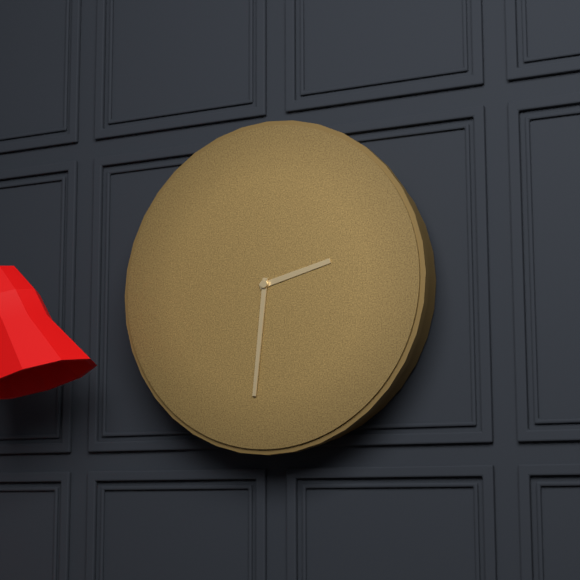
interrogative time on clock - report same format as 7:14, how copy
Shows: 2:31
